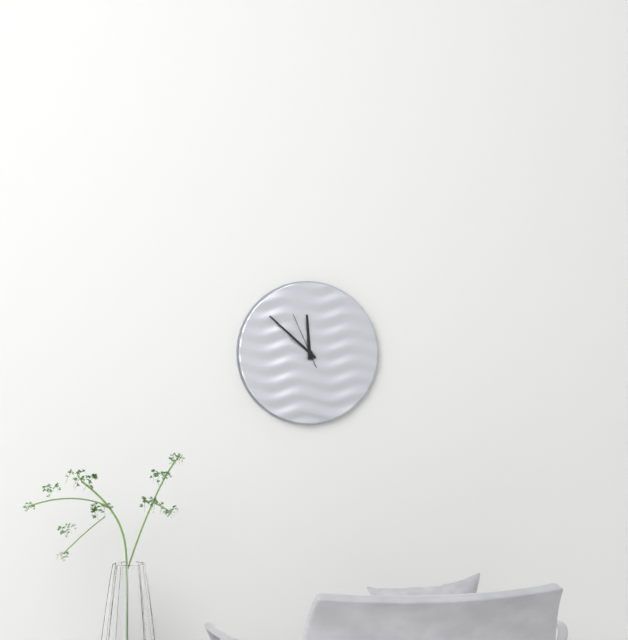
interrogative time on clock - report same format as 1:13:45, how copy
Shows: 11:52:56
